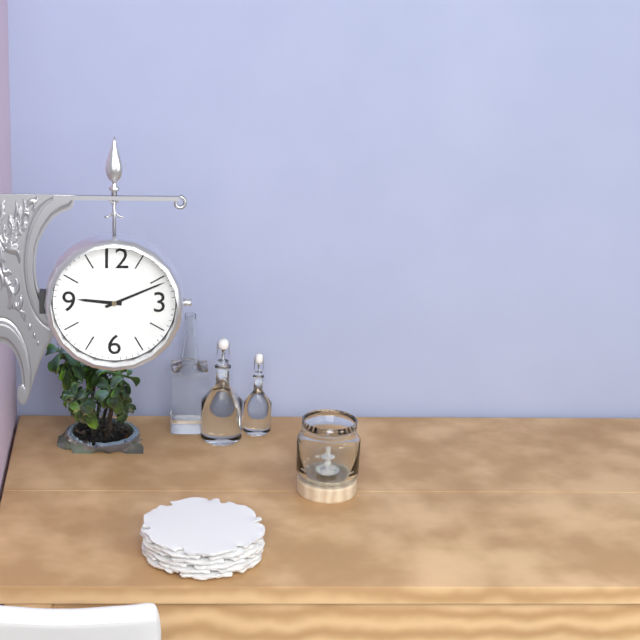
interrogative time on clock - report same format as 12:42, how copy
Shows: 9:11
